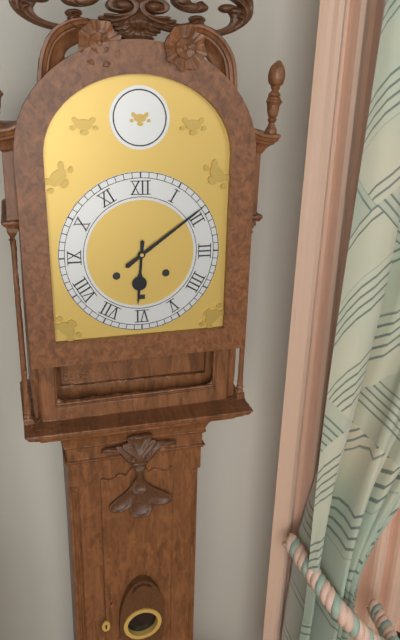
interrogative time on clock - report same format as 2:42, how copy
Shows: 6:09
